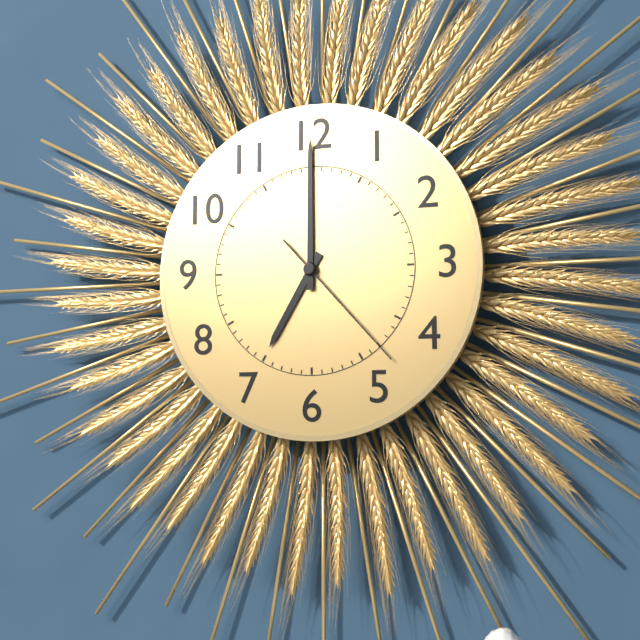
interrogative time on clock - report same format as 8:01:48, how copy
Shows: 7:00:23
